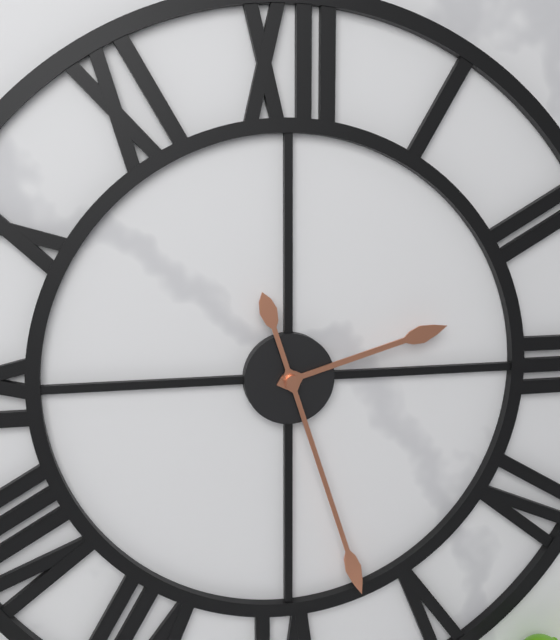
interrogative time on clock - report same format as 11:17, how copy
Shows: 2:27
